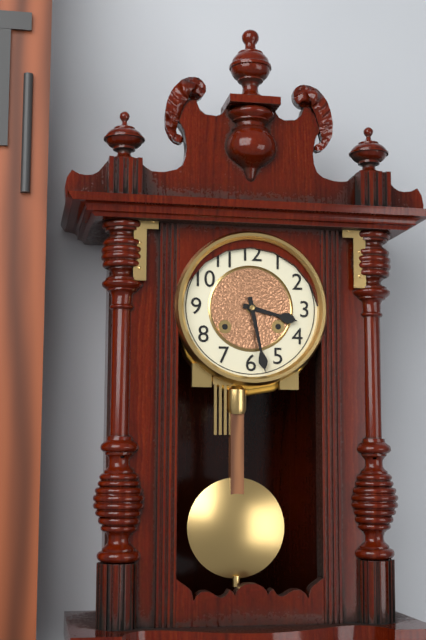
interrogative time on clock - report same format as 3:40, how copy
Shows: 3:28
